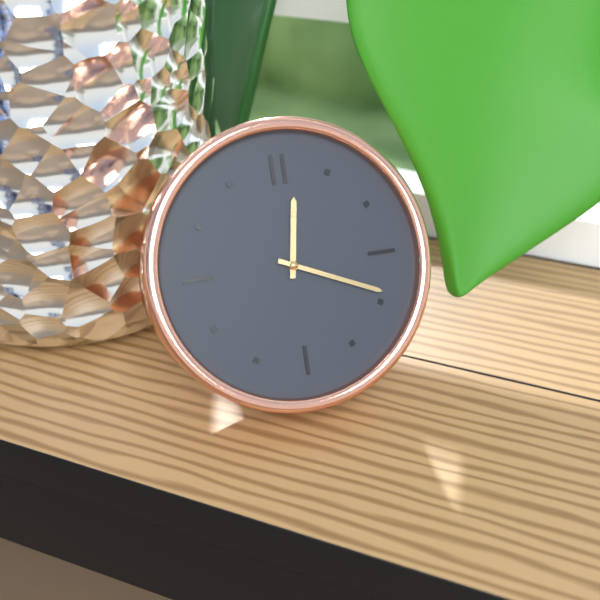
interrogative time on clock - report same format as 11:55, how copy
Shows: 12:19
